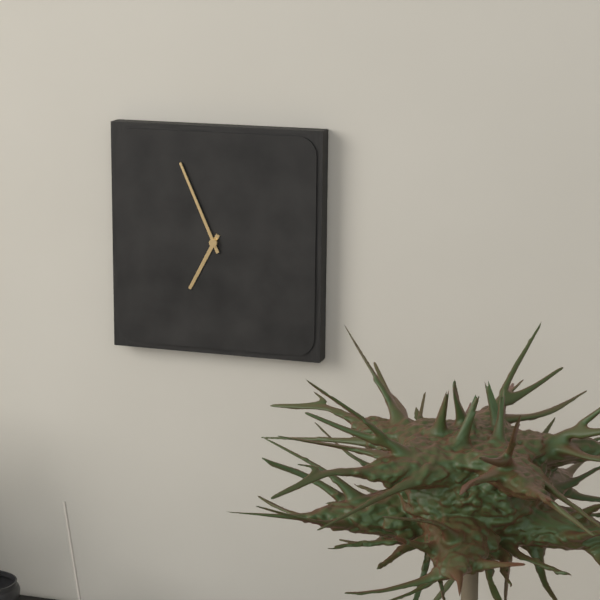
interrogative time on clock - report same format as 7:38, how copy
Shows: 6:56
